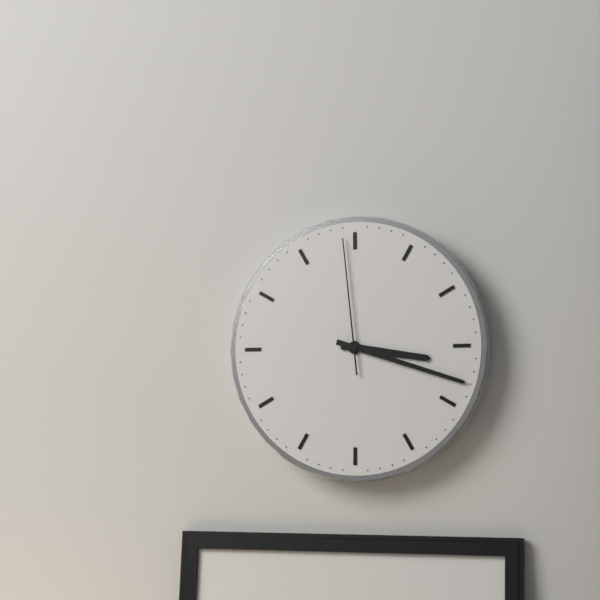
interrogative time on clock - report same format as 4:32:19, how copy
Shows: 3:18:59
